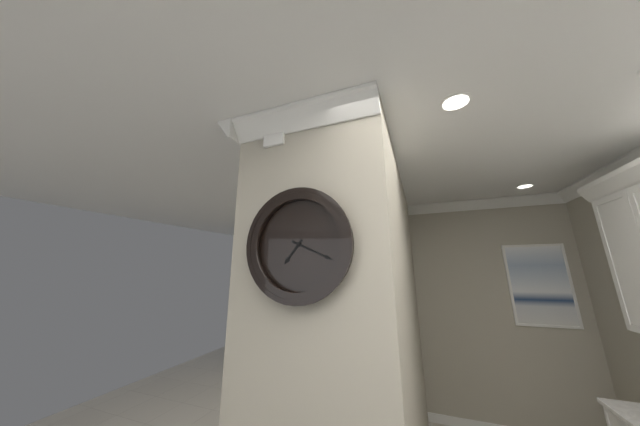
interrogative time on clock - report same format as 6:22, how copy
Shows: 7:19
